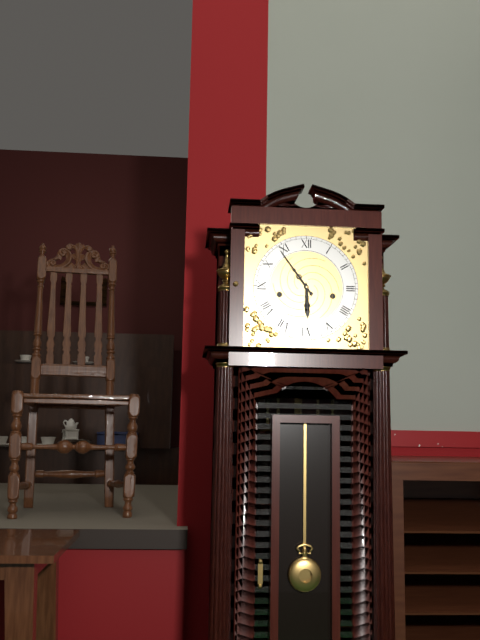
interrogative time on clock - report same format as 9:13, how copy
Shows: 5:54
